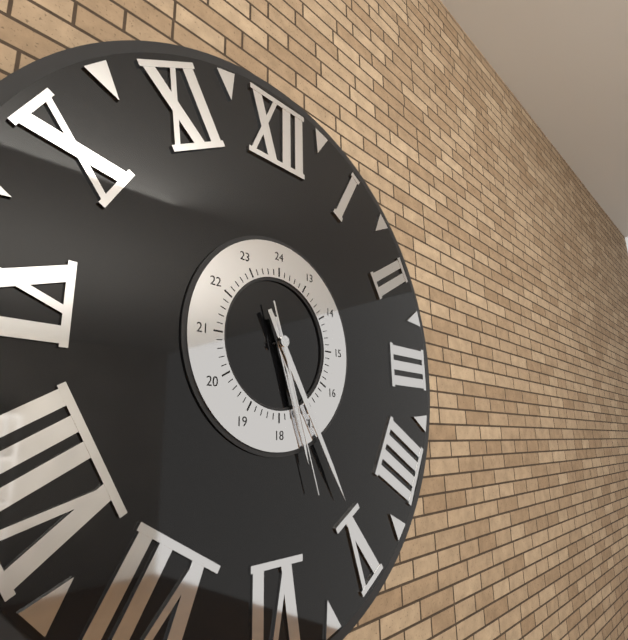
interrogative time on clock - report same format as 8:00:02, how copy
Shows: 5:25:27
